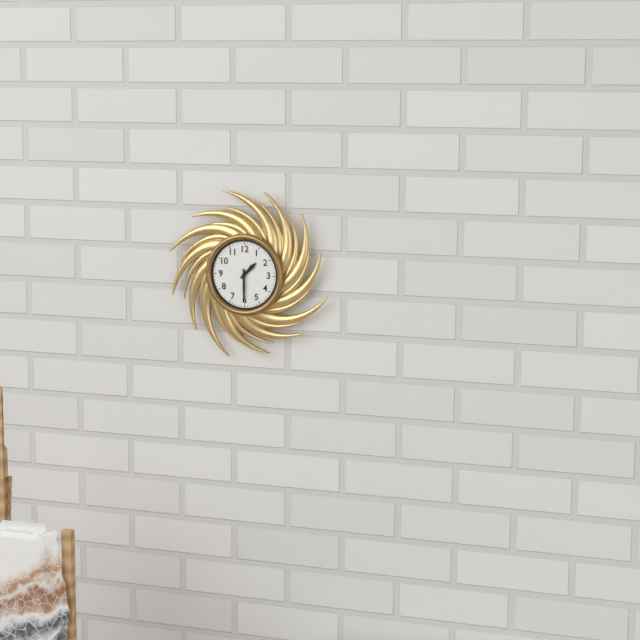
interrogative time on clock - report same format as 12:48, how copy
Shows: 1:30
